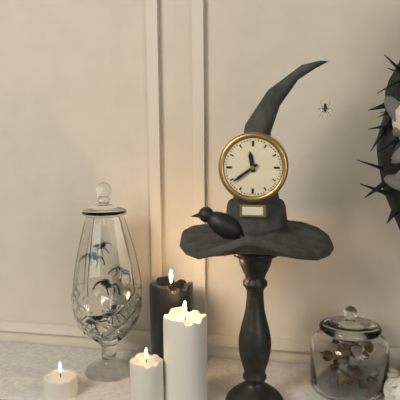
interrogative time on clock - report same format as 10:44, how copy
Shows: 11:39
